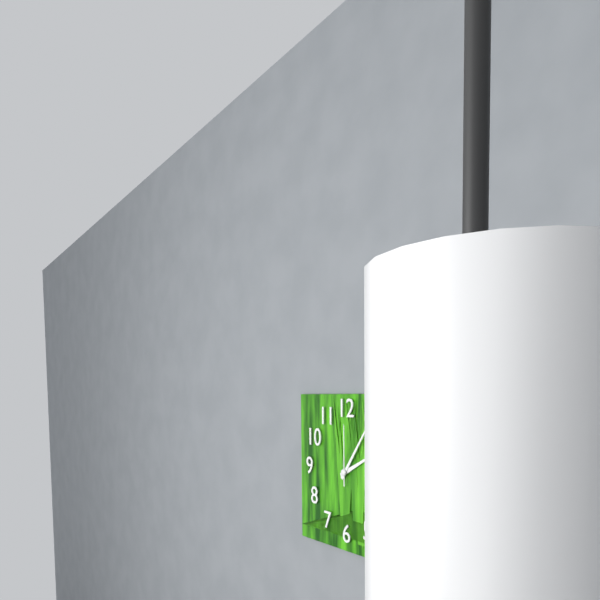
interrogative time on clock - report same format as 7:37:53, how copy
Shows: 2:06:00
